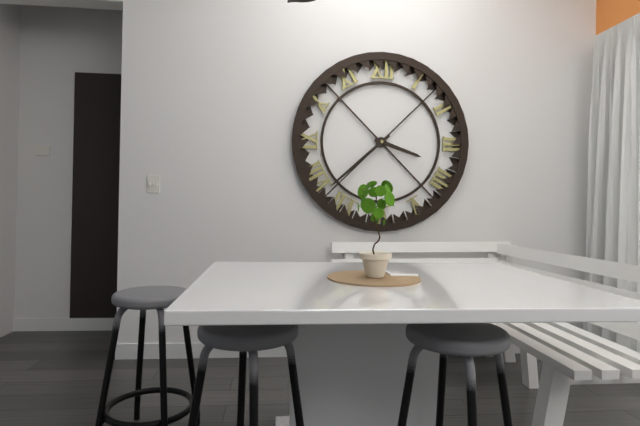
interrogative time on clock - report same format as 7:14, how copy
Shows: 3:38
